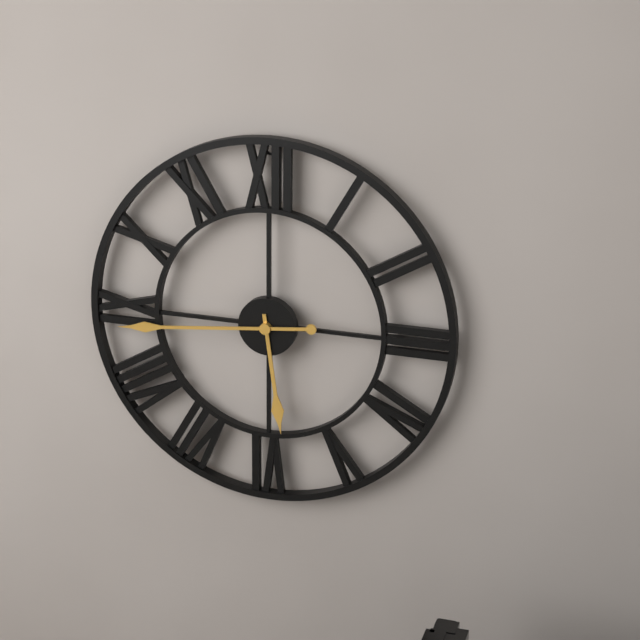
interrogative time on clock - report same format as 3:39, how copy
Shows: 5:44
